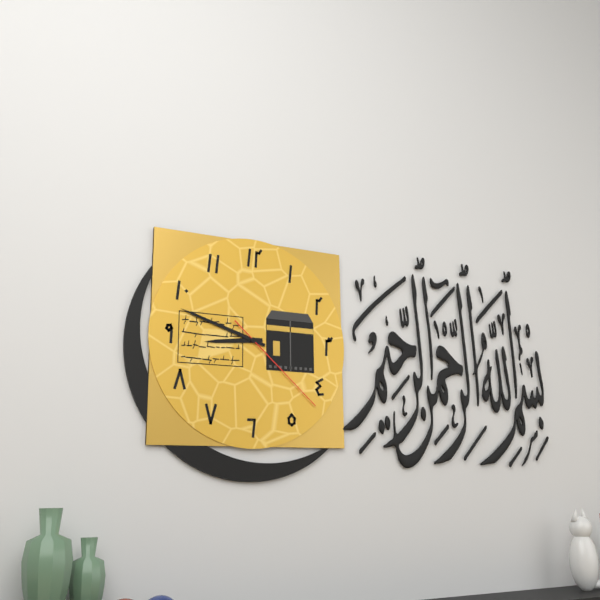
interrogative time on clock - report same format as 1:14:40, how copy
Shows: 8:48:22
